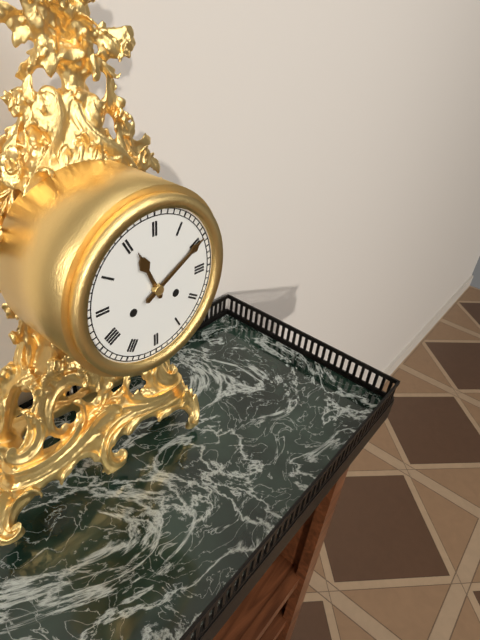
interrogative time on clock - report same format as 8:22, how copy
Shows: 11:10
